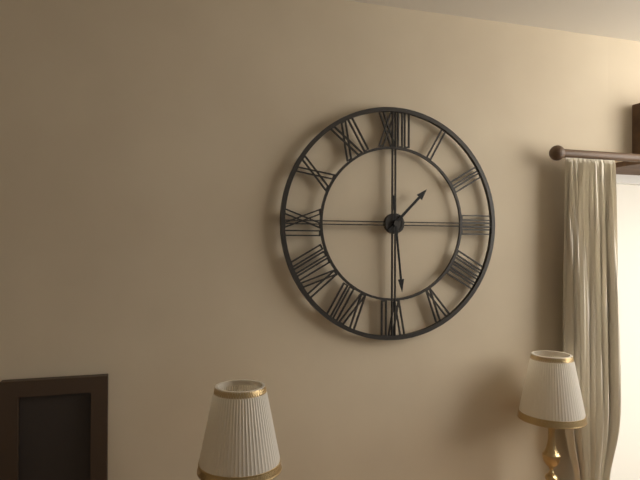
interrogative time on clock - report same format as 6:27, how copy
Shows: 1:29
